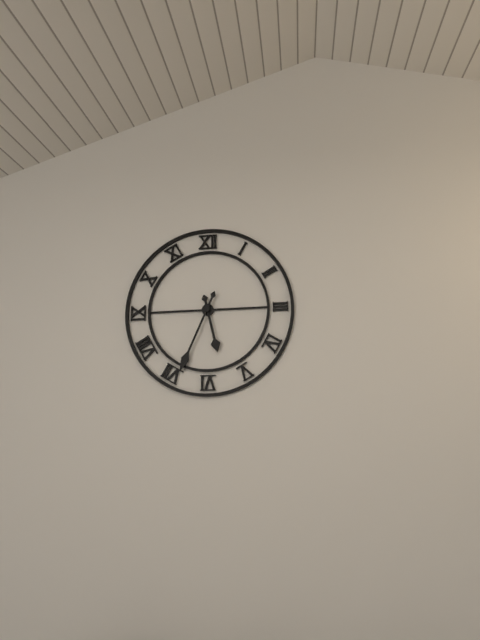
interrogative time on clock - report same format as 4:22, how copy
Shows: 5:34
